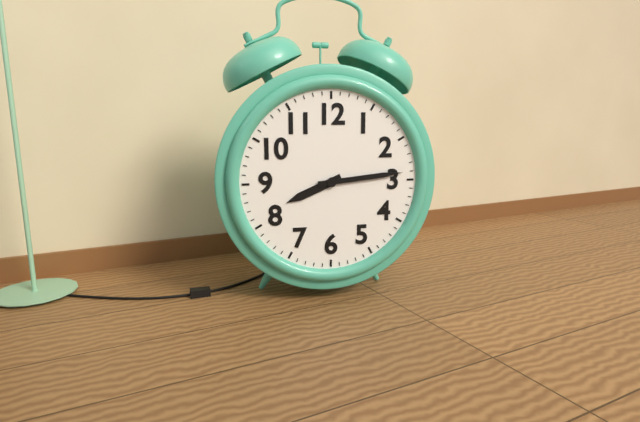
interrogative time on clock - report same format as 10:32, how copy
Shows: 8:14
